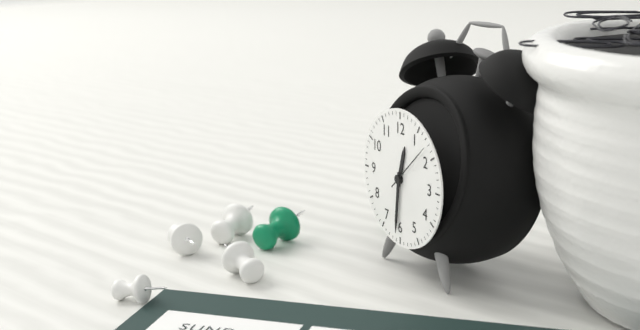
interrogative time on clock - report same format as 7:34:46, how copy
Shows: 12:31:08
